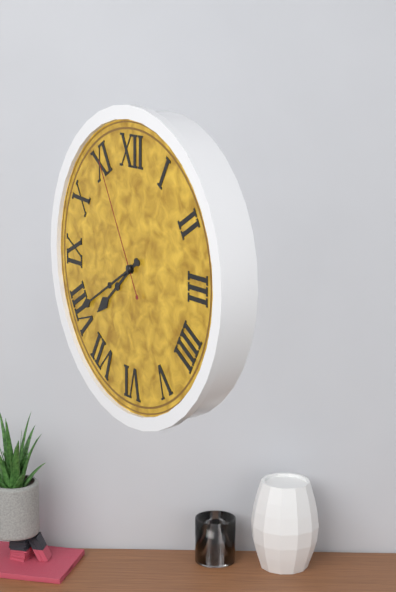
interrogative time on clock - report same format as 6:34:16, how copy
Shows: 7:40:55
